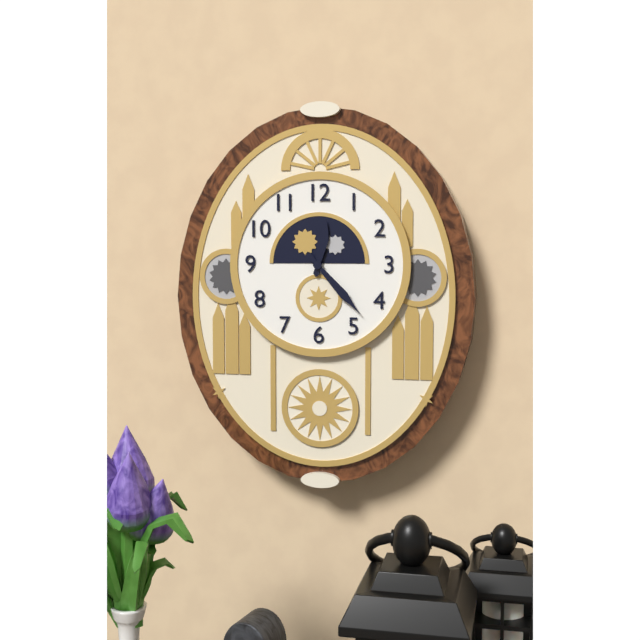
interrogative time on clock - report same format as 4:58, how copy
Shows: 12:23
